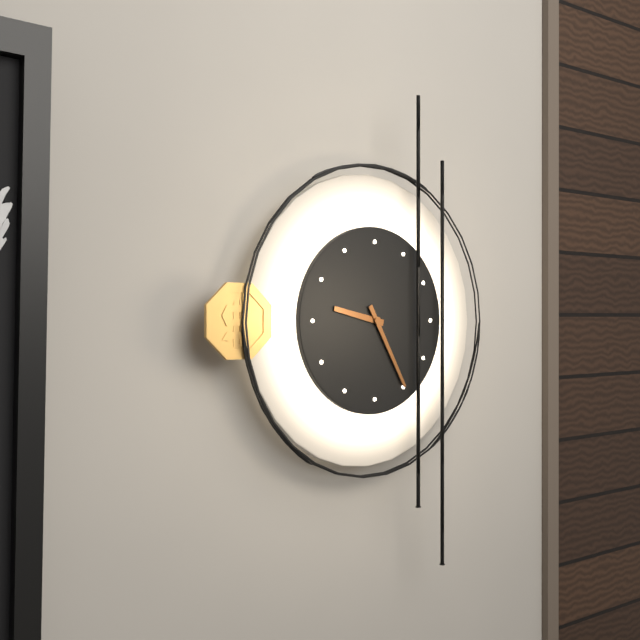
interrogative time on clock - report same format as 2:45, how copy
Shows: 9:25
